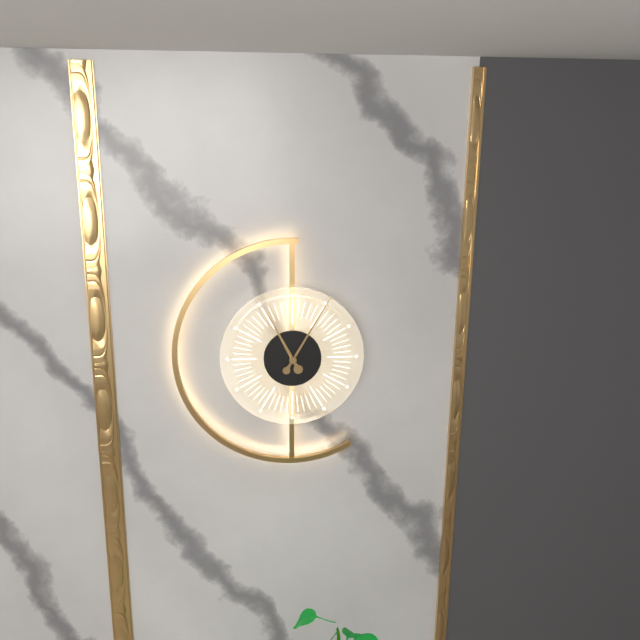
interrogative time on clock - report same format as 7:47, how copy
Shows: 11:05
